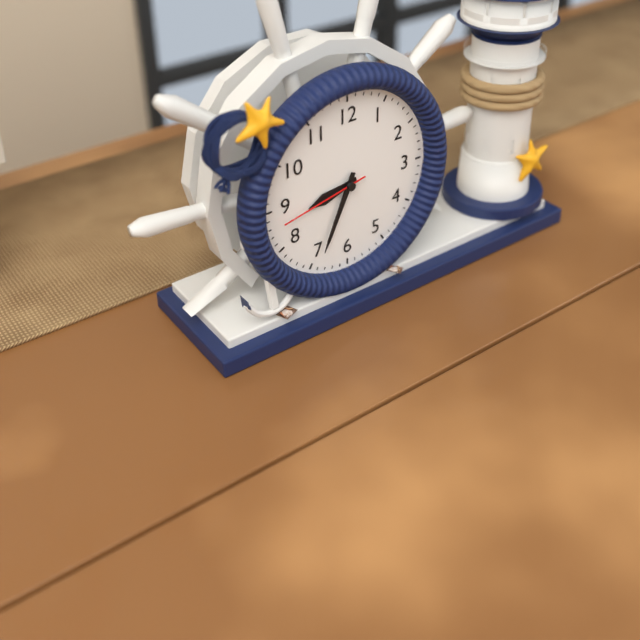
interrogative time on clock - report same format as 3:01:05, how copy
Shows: 8:34:43
